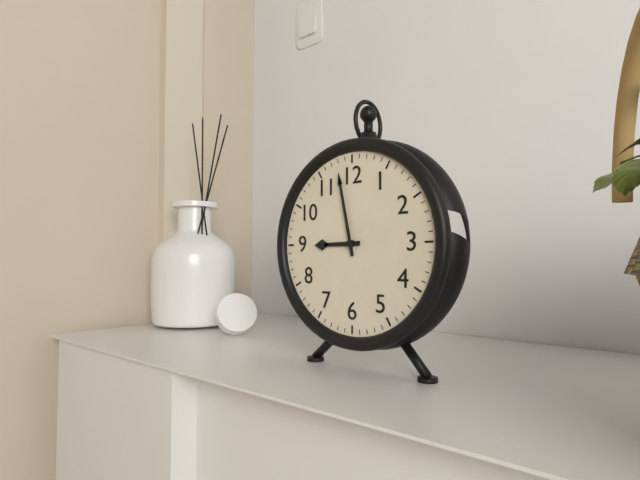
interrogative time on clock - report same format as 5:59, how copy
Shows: 8:58
